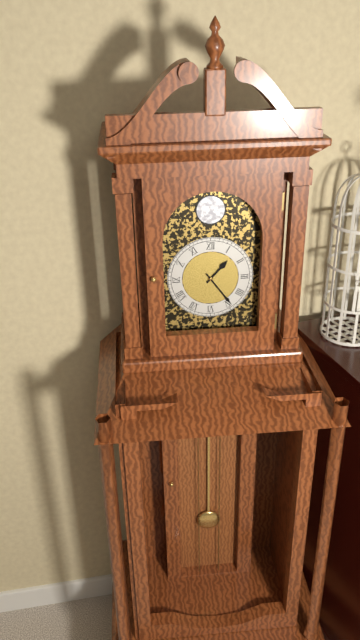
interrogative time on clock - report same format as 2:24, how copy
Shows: 1:24
